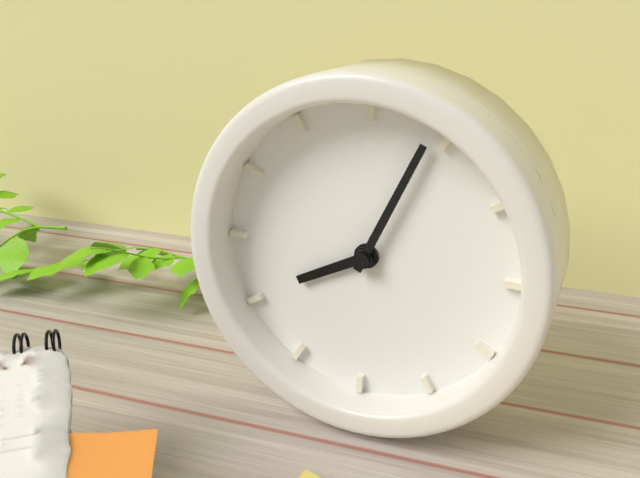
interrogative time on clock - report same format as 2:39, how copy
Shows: 8:04
